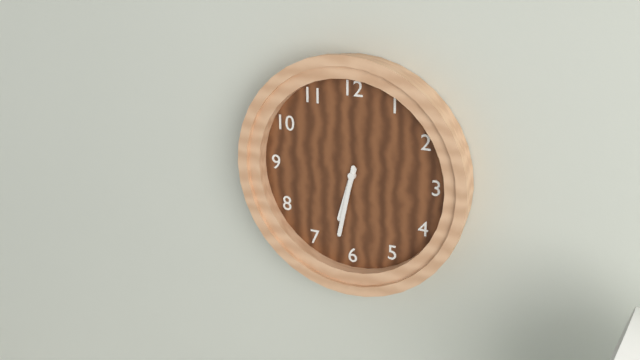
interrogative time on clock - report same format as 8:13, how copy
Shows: 6:32
